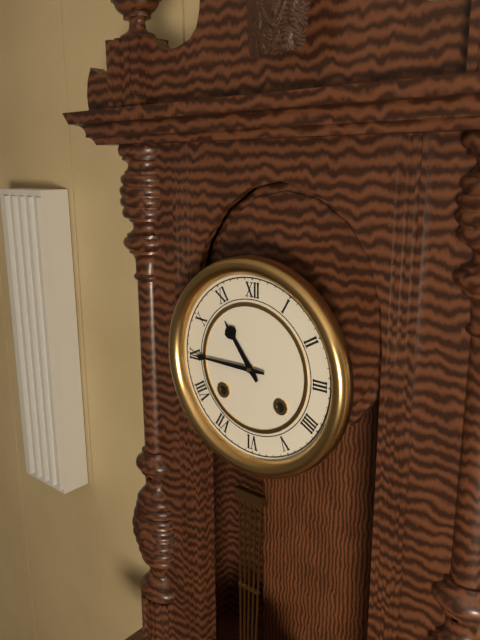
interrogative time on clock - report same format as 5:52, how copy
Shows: 10:45
